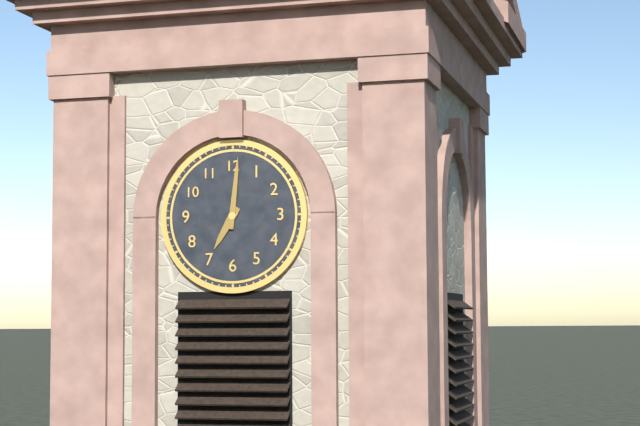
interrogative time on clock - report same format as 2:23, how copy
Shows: 7:01
